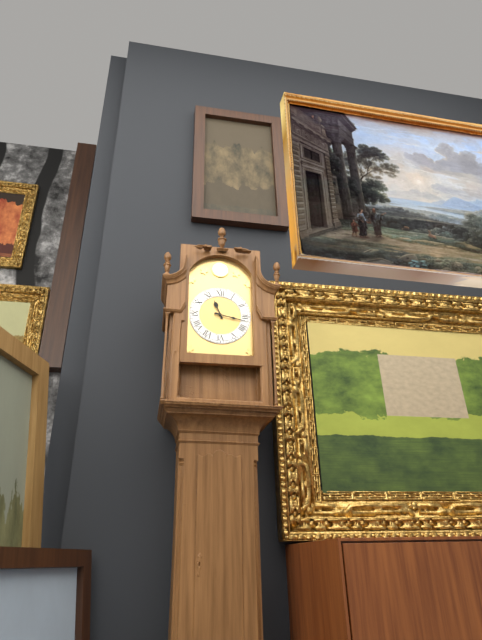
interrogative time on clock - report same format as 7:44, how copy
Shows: 11:17
